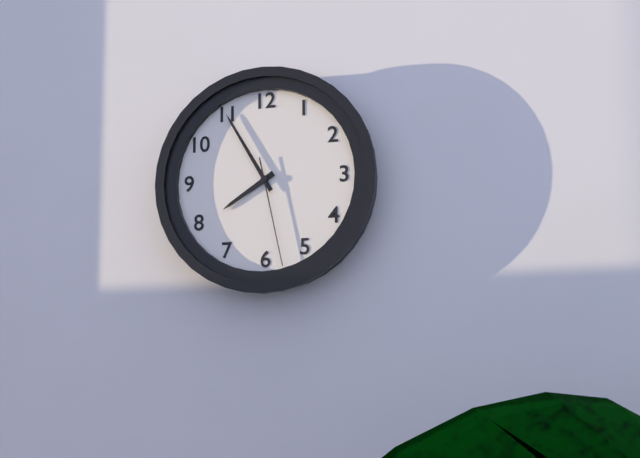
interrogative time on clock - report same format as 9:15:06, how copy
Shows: 7:55:28
